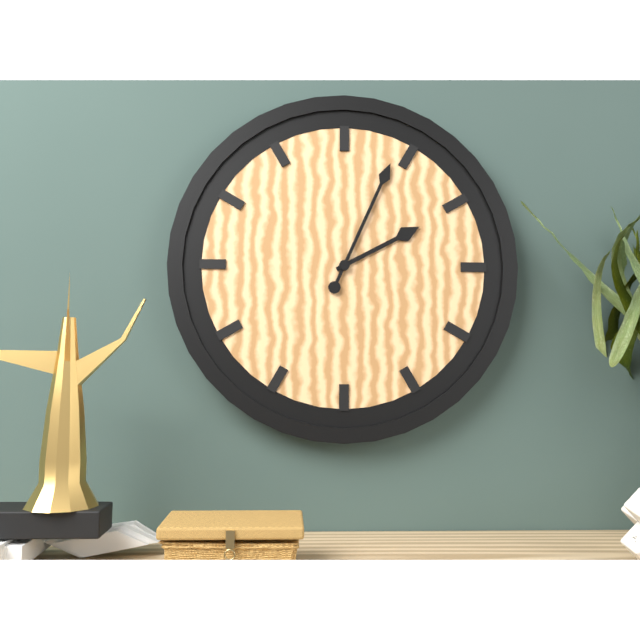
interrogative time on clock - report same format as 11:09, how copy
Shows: 2:04
